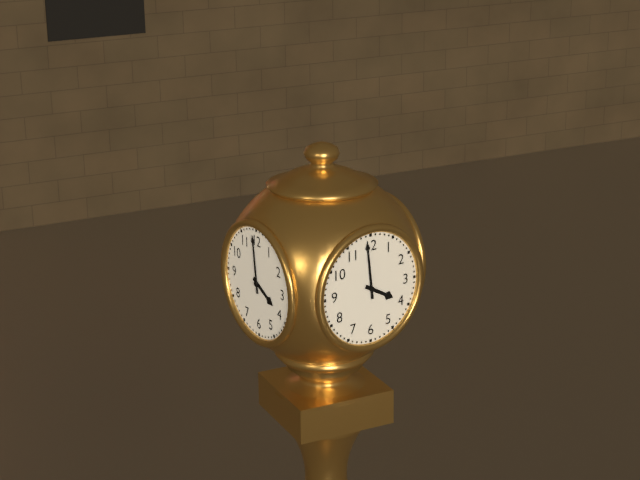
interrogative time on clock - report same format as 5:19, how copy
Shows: 3:59
